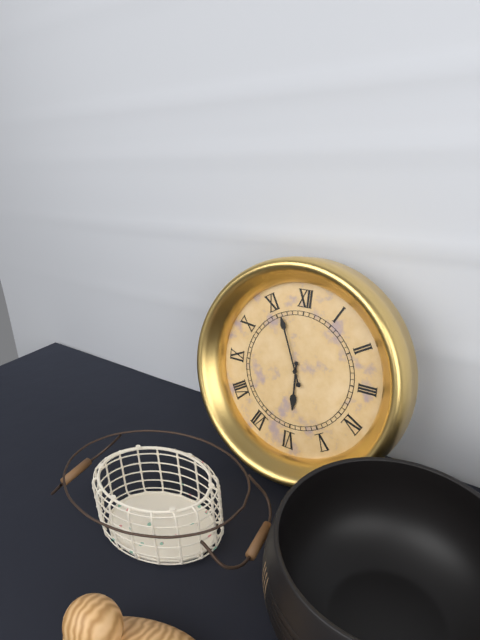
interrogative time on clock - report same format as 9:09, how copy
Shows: 5:56
